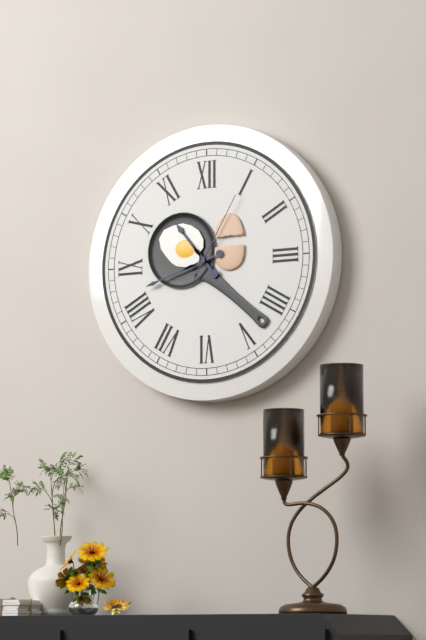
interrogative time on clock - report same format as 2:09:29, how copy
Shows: 10:42:05
